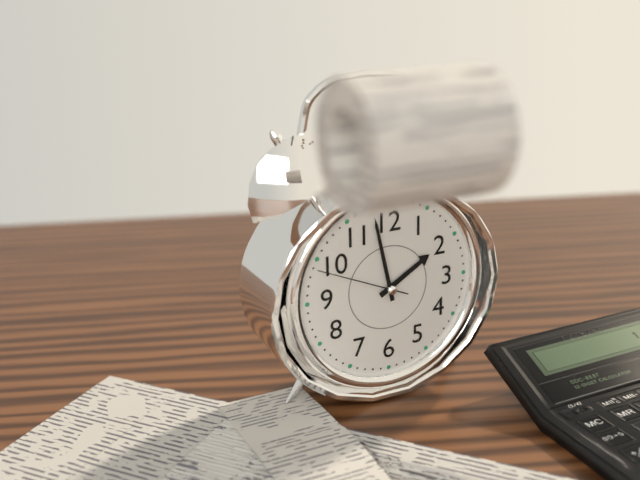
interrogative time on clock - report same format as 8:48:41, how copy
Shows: 1:58:49
